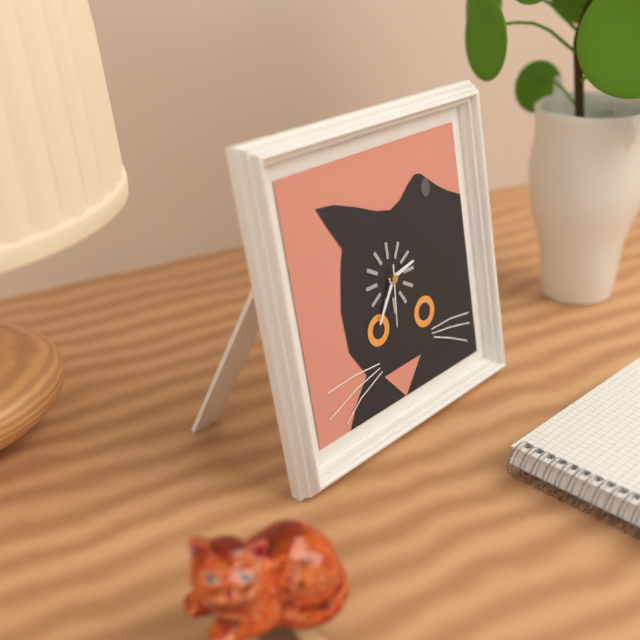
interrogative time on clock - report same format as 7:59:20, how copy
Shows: 2:36:31
